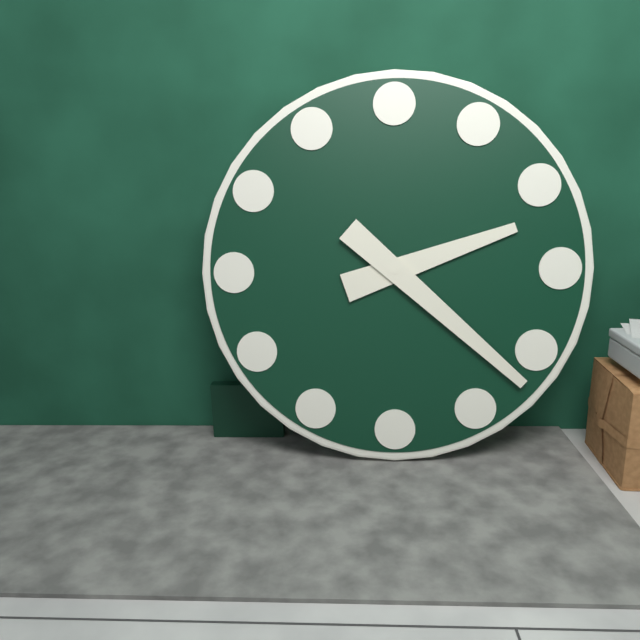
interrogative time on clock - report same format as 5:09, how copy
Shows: 2:22
